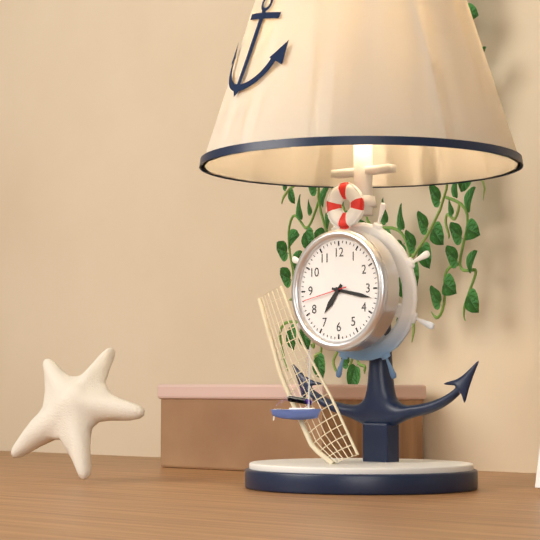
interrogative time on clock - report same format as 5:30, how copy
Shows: 7:17
